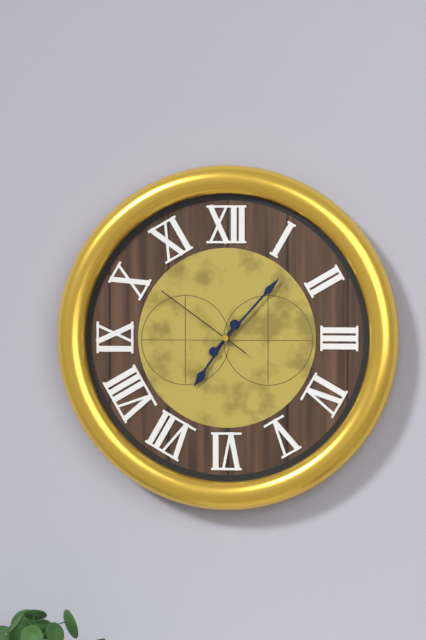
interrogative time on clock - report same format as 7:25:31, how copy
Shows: 7:07:51
